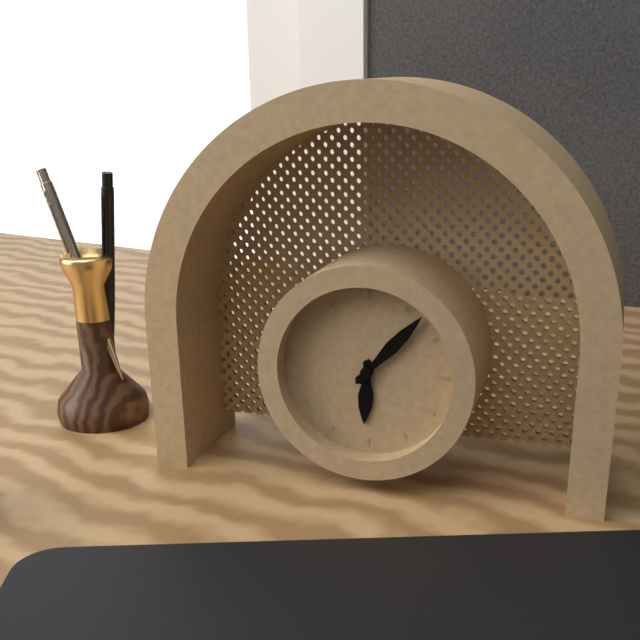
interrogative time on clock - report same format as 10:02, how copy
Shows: 6:07
